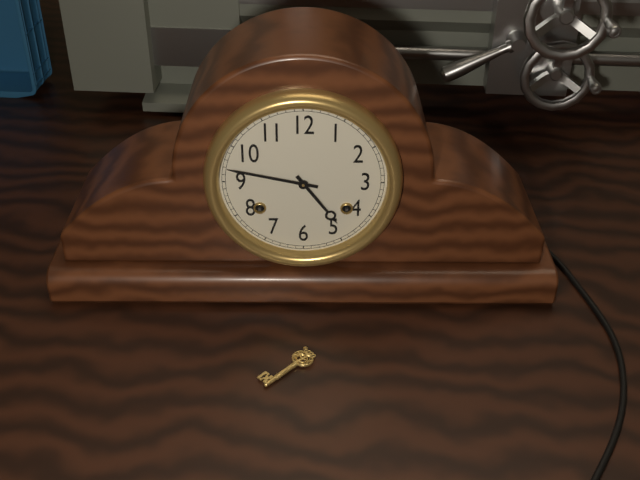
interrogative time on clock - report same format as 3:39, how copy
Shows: 4:47
